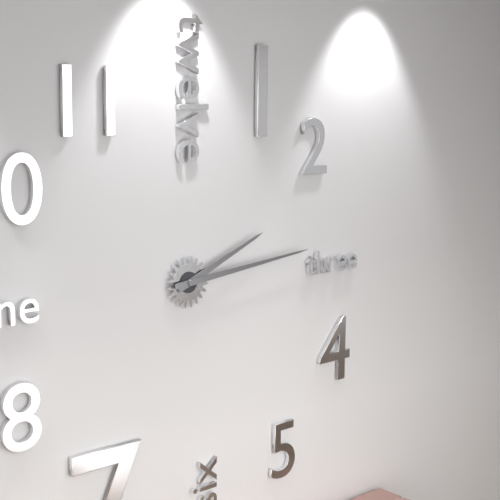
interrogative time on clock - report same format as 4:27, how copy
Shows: 2:14
